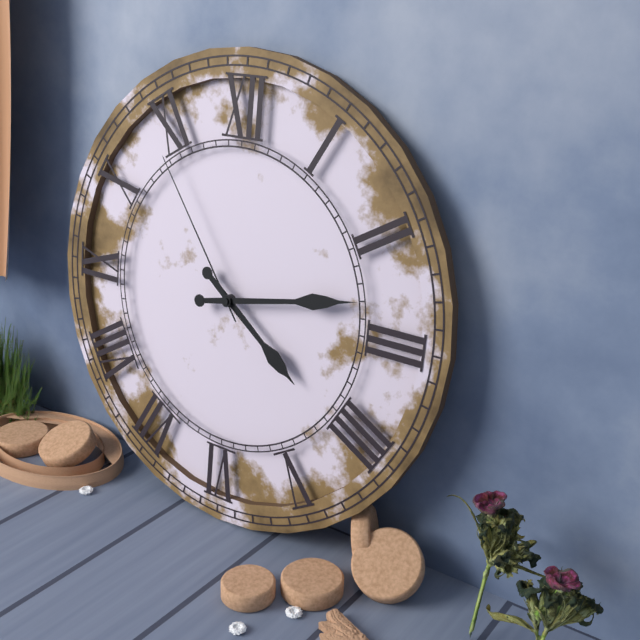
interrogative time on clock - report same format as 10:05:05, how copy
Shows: 4:13:54
